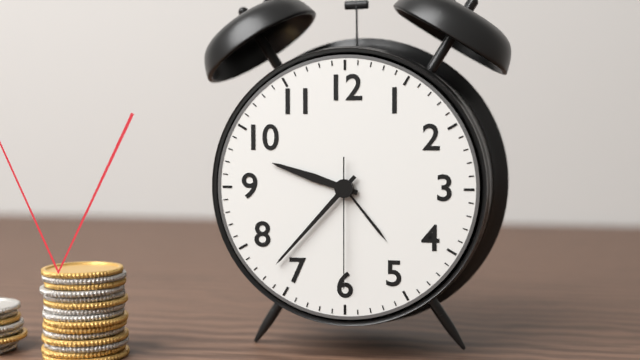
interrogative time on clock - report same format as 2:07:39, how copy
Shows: 9:37:30
